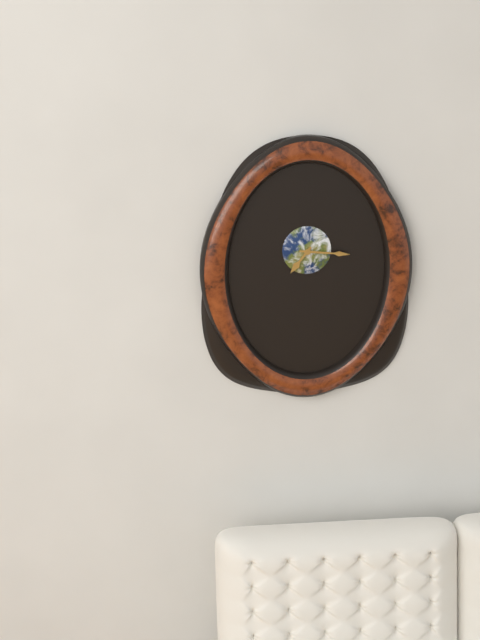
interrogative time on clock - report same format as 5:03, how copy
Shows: 7:16
